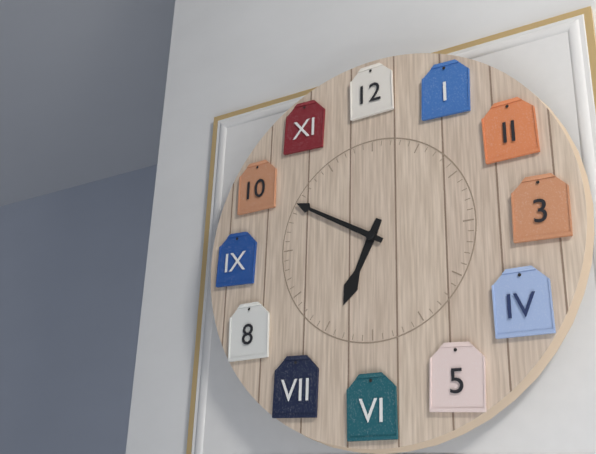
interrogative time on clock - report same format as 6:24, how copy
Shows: 6:50
